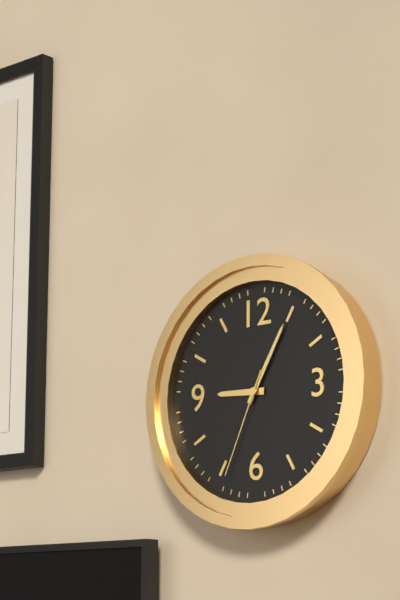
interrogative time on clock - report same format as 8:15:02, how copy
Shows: 9:05:34
